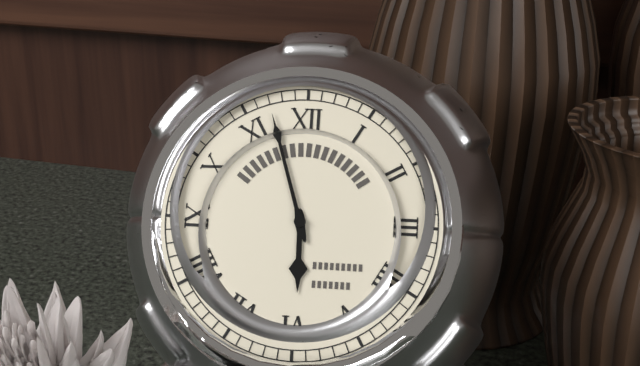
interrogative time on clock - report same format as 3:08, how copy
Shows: 5:57
